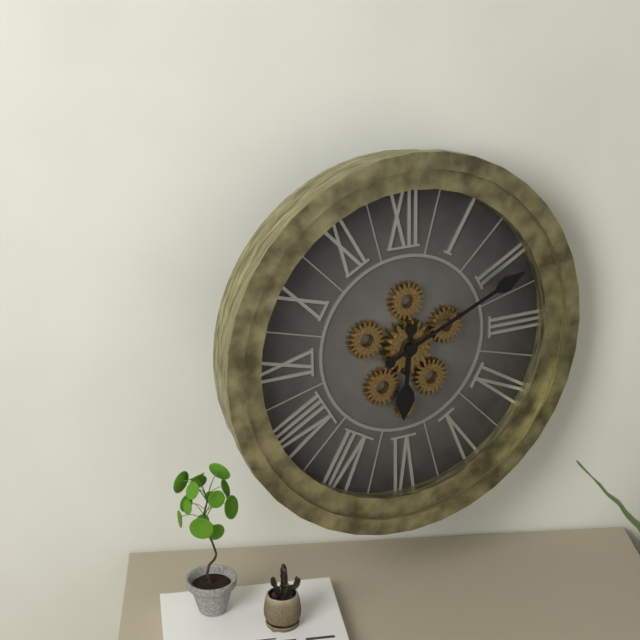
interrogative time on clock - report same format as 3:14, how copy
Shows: 6:11
